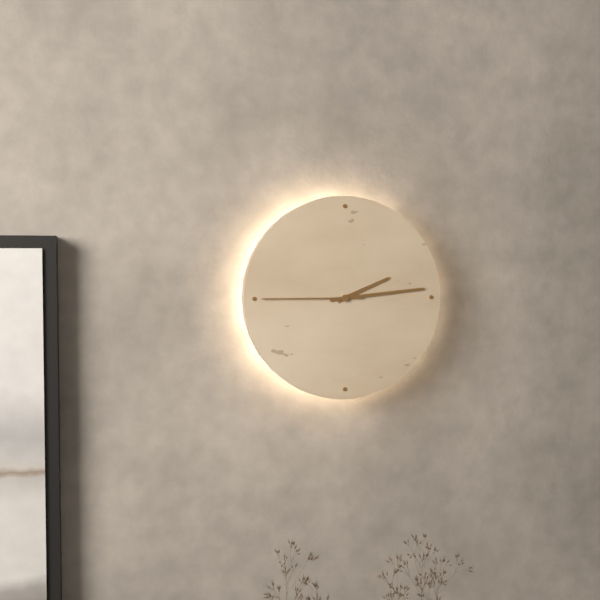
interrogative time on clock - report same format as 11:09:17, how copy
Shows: 2:14:45
